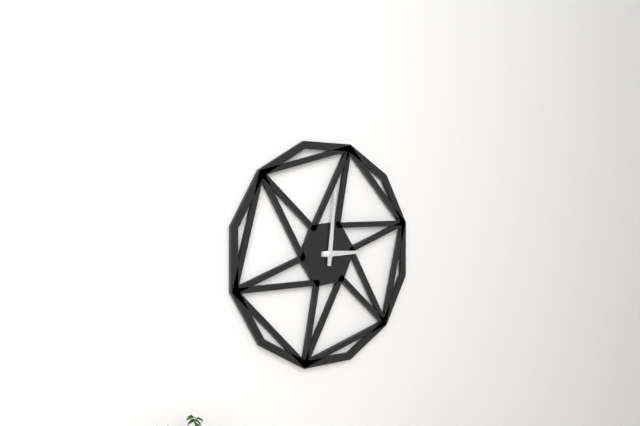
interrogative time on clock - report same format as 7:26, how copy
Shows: 3:01
